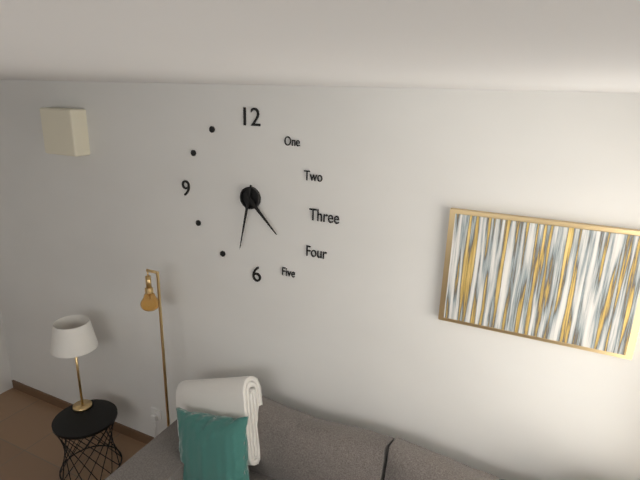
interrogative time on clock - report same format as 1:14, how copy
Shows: 4:32
